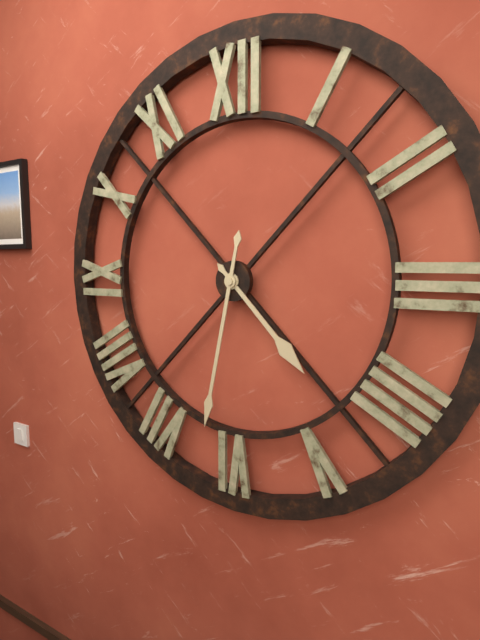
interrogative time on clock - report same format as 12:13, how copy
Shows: 4:32
